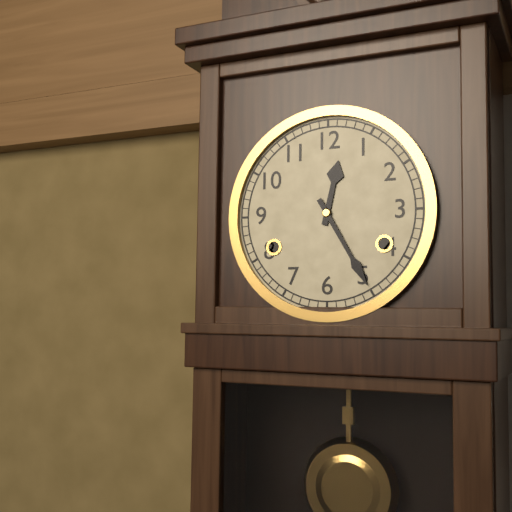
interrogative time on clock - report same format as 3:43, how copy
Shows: 12:25
